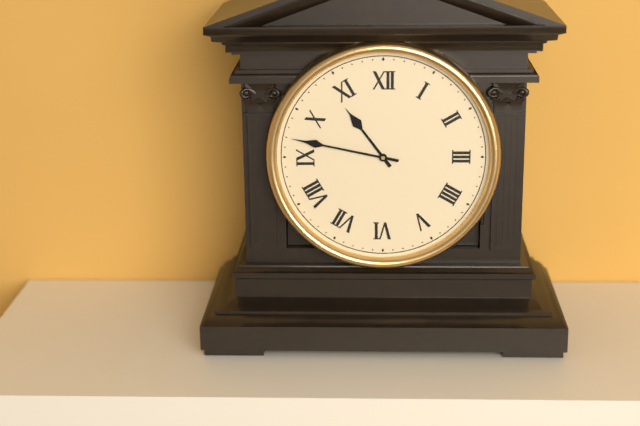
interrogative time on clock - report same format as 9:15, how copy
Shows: 10:47
